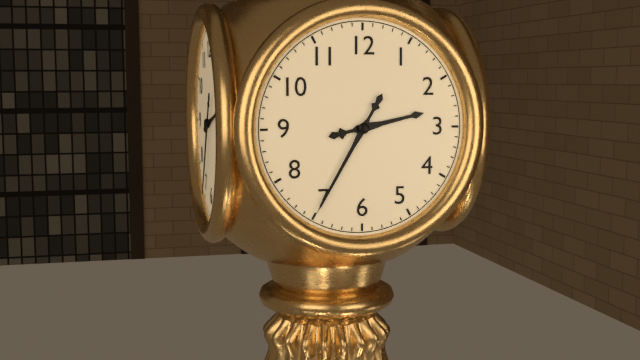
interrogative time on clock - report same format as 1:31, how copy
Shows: 2:35
